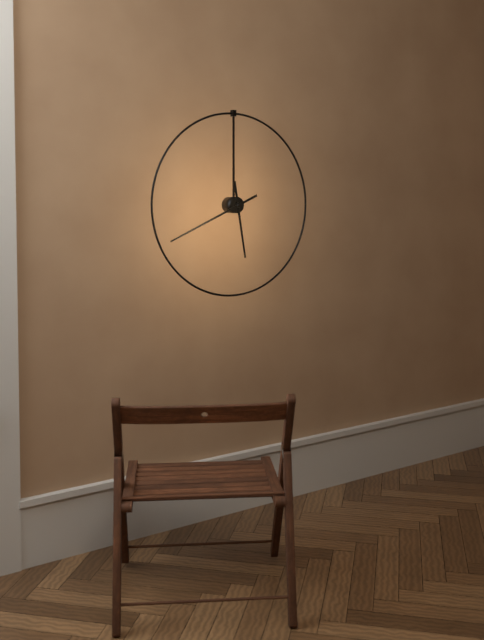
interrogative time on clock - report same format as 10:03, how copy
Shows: 5:41
